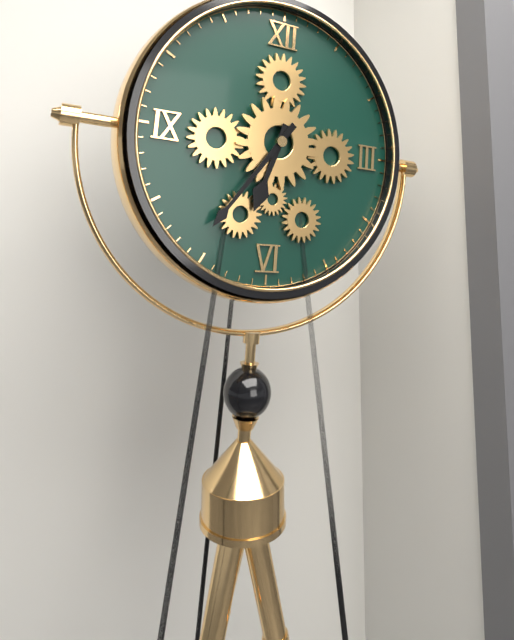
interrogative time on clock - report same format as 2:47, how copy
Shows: 6:36
